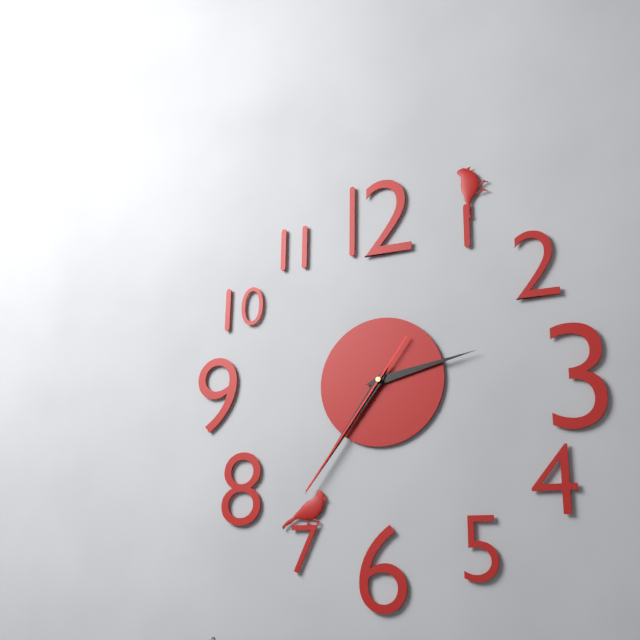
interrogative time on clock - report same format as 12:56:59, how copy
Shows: 2:36:36
